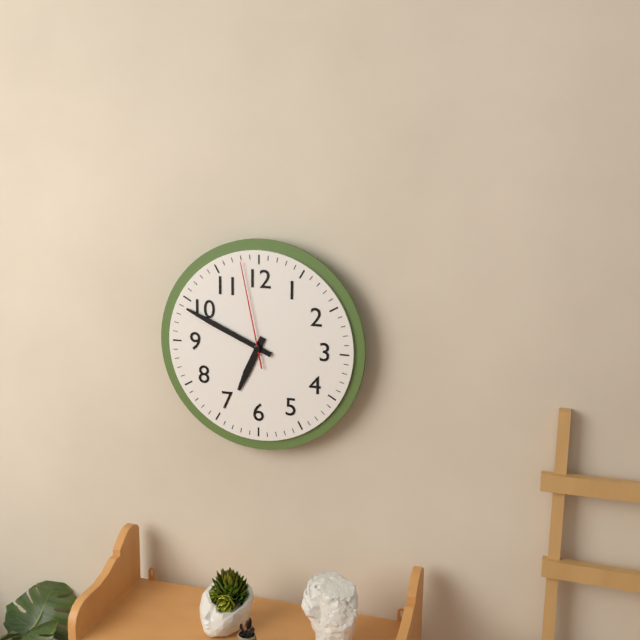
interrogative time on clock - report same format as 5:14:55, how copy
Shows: 6:49:58
